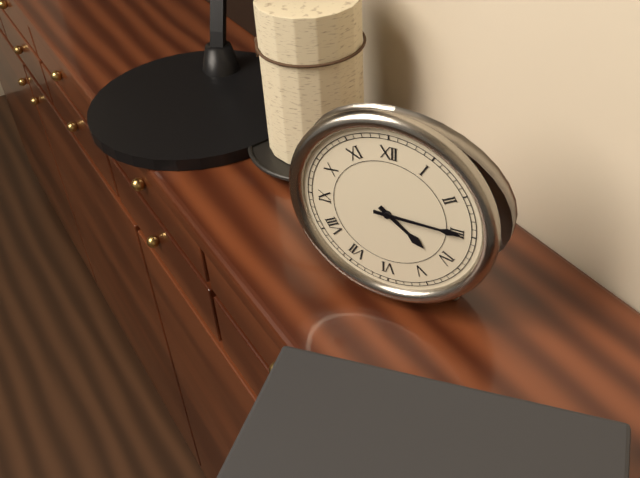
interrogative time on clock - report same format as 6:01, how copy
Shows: 4:15
